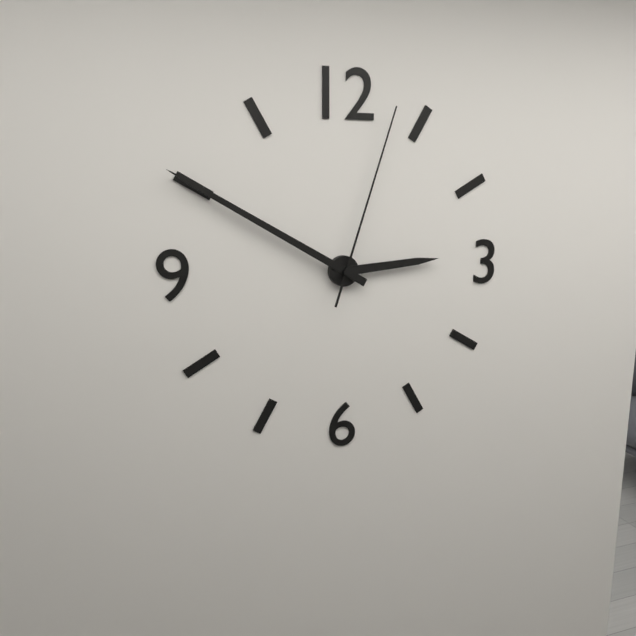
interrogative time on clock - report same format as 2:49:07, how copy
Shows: 2:50:03
